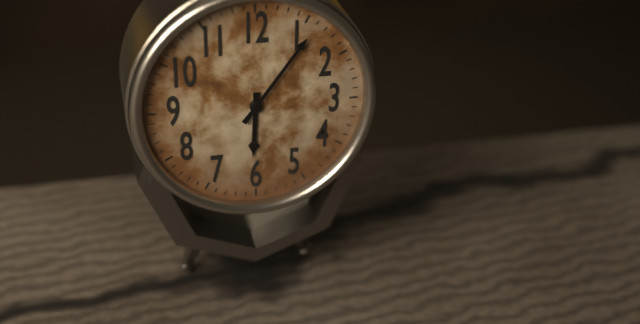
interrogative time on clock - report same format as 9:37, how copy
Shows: 6:06
